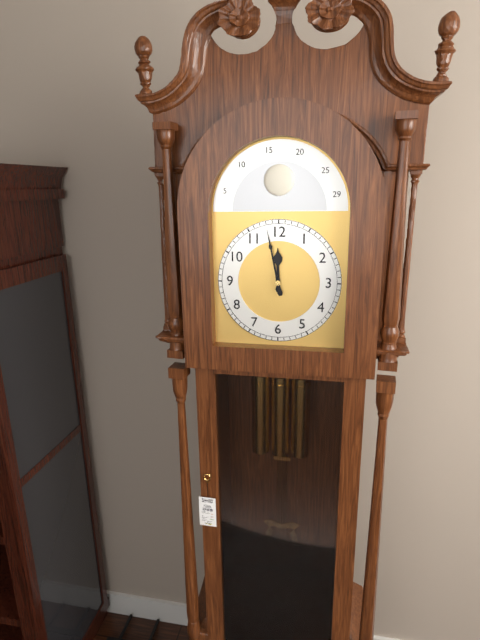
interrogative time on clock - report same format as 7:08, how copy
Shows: 11:58
